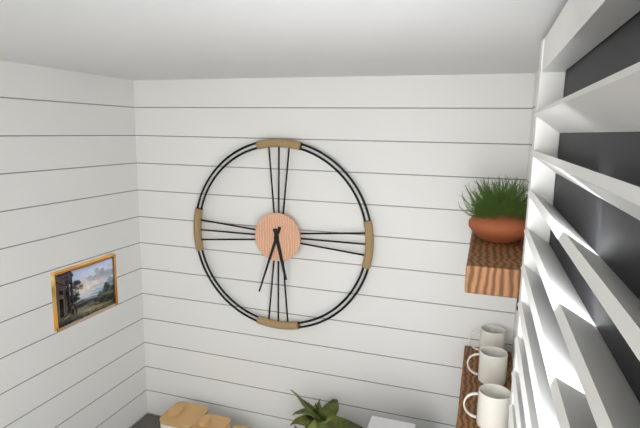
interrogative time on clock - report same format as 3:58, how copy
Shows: 5:33
